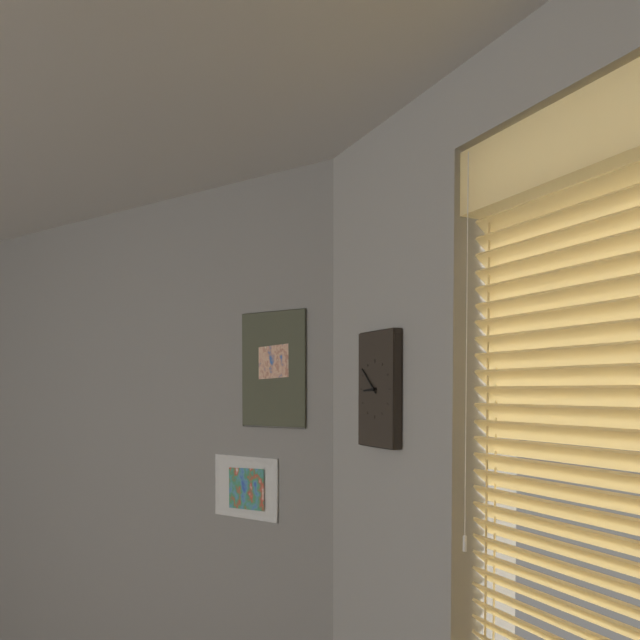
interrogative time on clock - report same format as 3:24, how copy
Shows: 8:52
